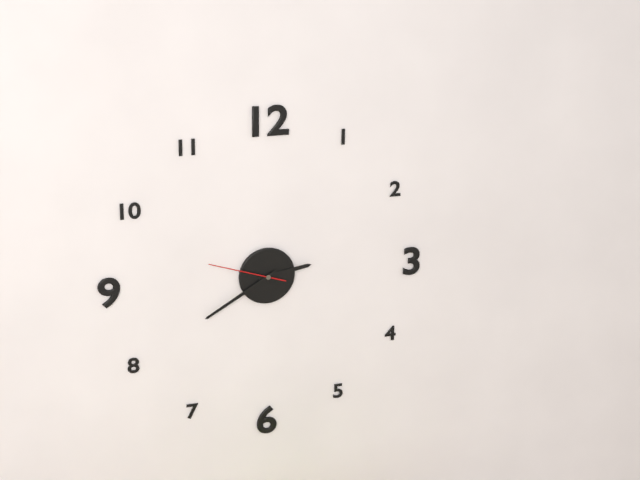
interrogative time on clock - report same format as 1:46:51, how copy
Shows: 2:40:48
